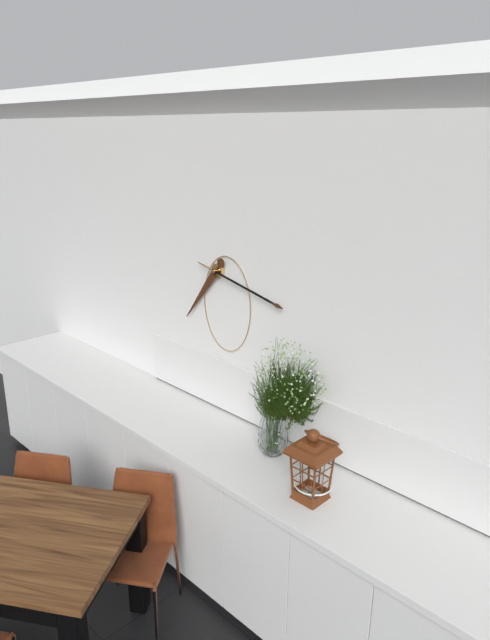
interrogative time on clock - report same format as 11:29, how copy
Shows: 7:17
